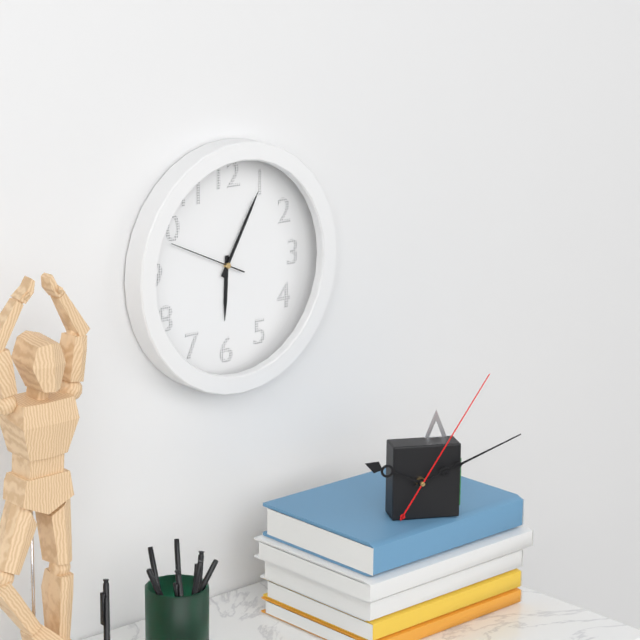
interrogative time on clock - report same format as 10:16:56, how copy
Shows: 6:05:49
